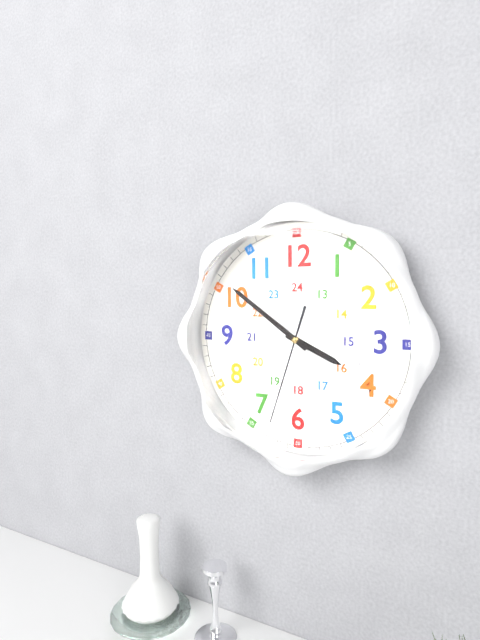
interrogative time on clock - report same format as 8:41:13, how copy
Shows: 3:51:33
